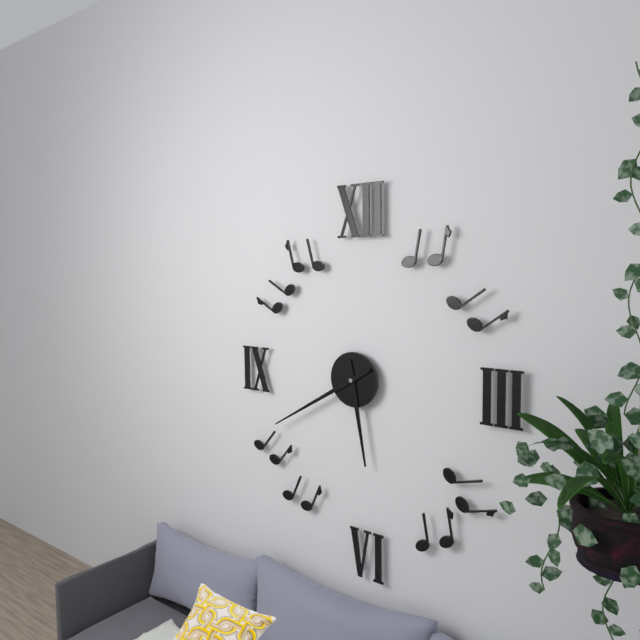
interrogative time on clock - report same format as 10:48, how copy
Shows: 5:40
